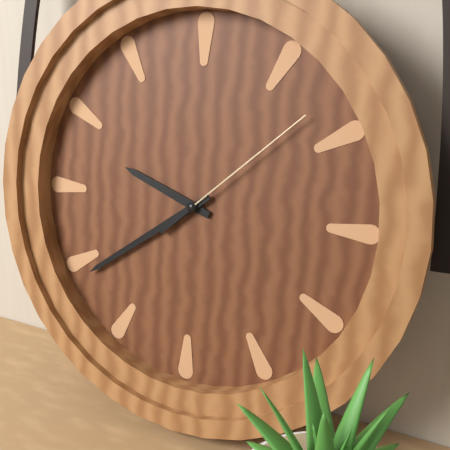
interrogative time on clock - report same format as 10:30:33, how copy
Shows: 9:39:08
